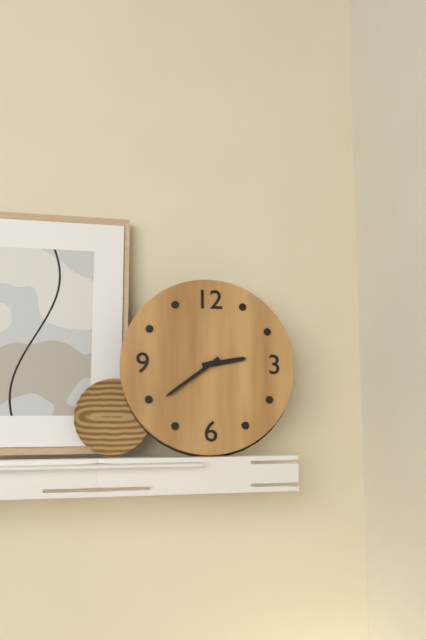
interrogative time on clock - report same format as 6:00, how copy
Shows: 2:39
